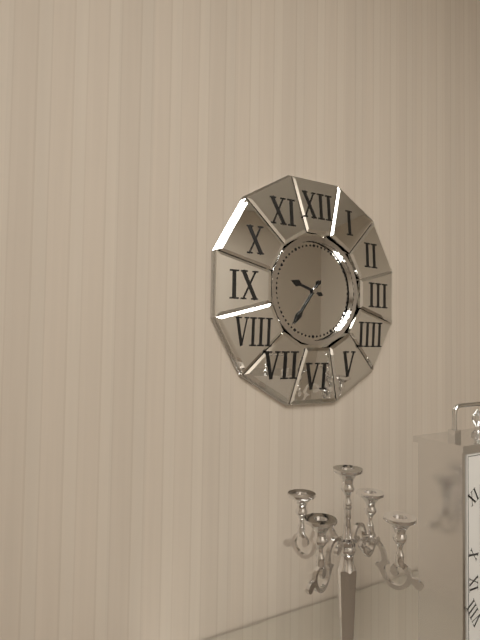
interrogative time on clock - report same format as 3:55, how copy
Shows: 9:36
